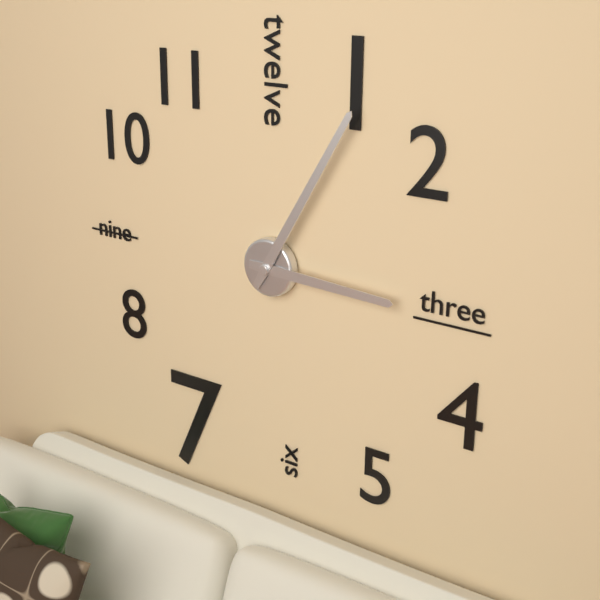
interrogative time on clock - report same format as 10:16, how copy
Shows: 3:05
